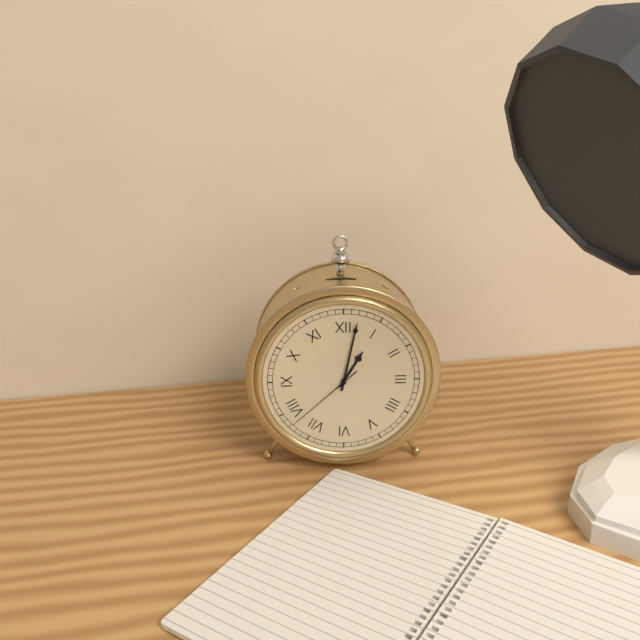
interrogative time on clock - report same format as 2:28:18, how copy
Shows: 1:02:38
